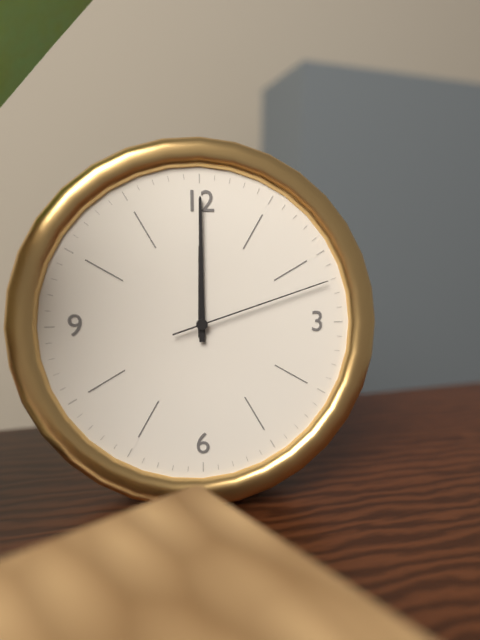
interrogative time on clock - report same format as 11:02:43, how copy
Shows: 12:00:12
